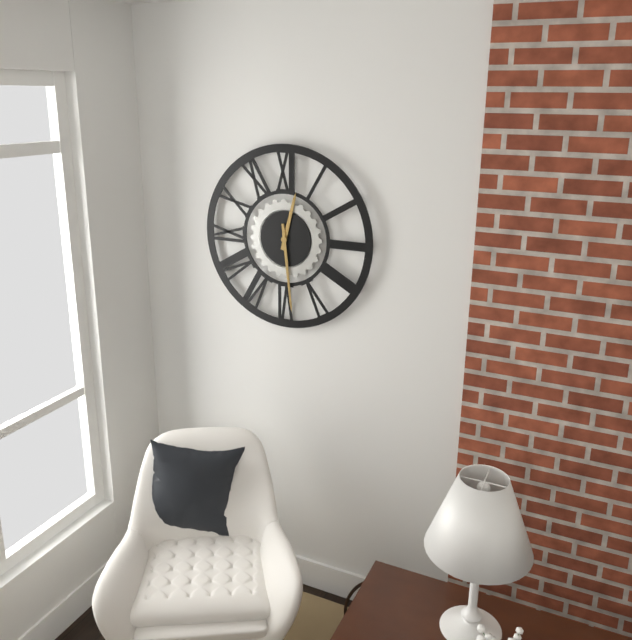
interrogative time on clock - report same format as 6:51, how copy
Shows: 12:29
